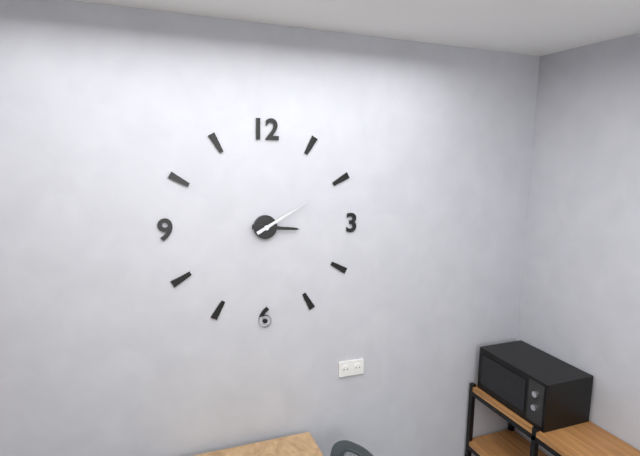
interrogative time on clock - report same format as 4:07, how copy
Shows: 3:10
